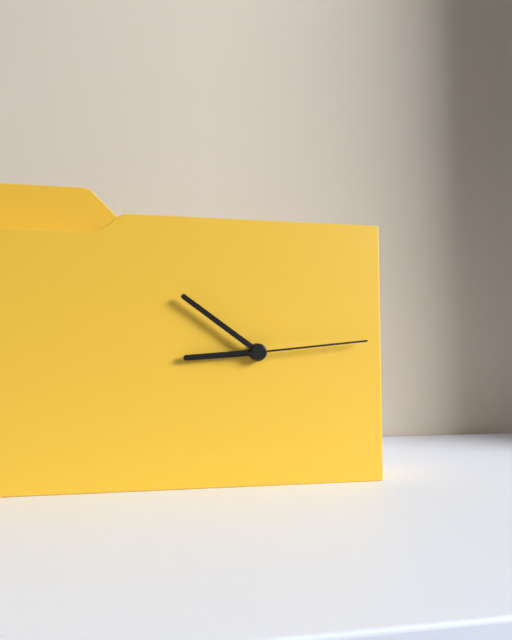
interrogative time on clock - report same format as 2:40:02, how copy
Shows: 8:51:14
